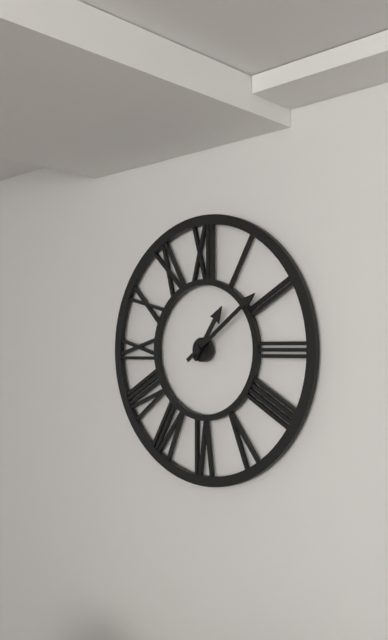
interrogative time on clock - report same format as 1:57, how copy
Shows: 1:09
